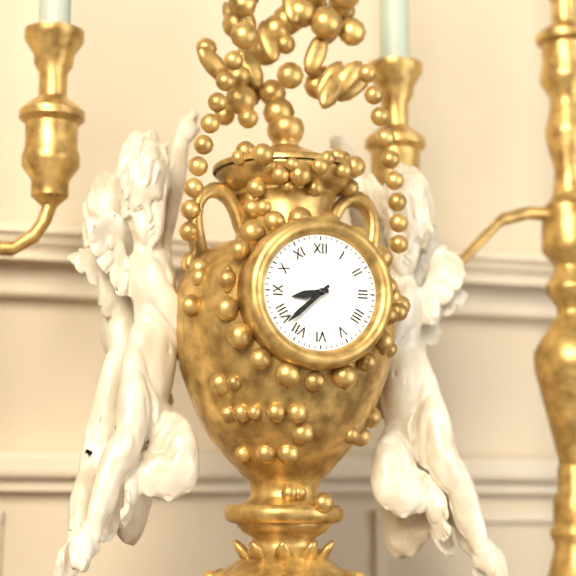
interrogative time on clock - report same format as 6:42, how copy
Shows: 8:38
